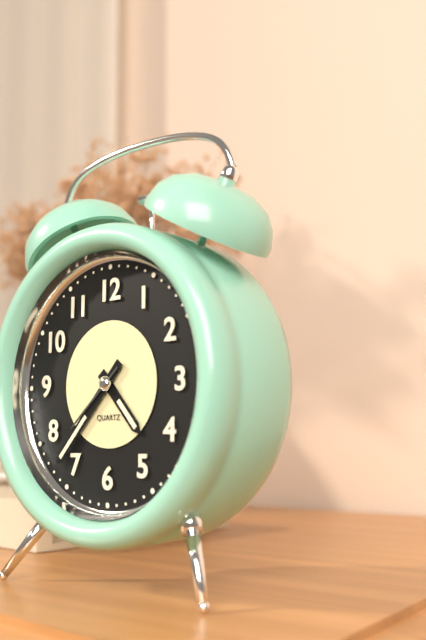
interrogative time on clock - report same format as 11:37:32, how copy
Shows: 4:37:38
